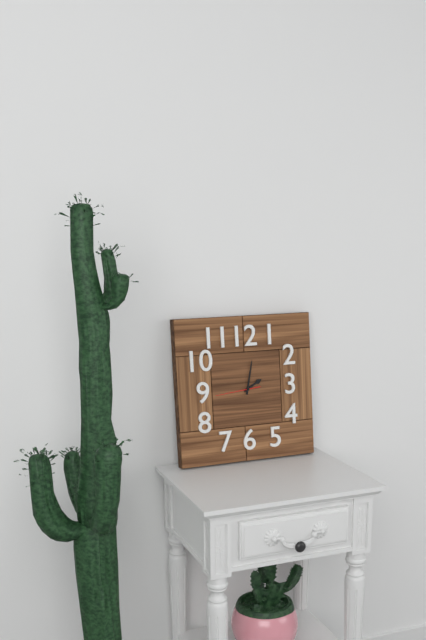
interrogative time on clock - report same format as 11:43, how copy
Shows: 2:02
